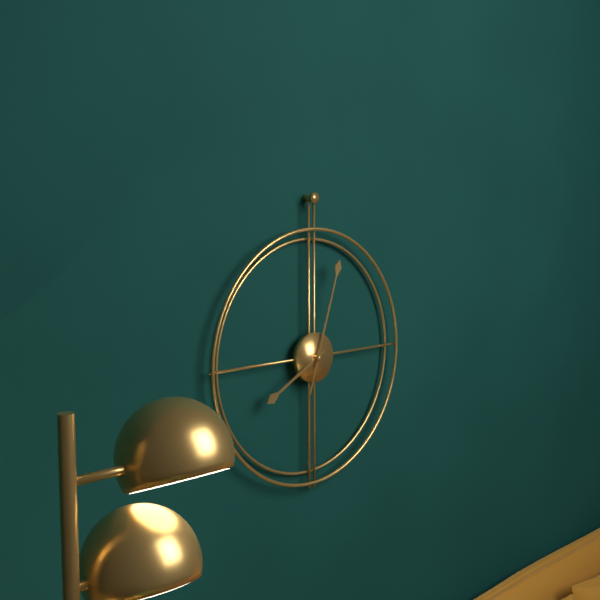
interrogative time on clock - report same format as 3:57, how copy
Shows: 8:03
